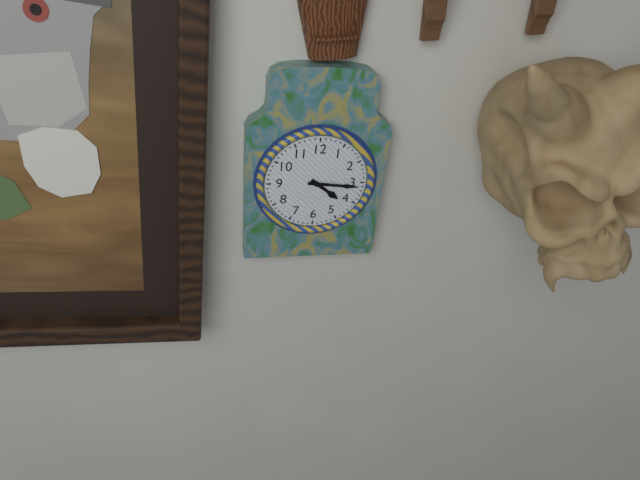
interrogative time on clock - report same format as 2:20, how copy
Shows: 4:16
